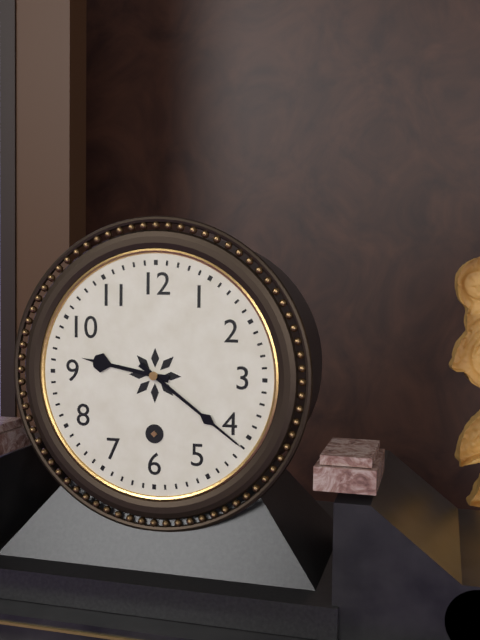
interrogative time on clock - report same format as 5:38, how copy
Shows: 9:21
